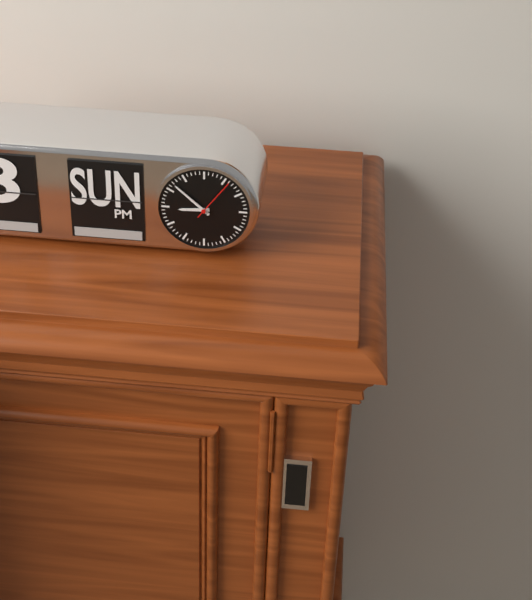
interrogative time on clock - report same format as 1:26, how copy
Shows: 8:52
